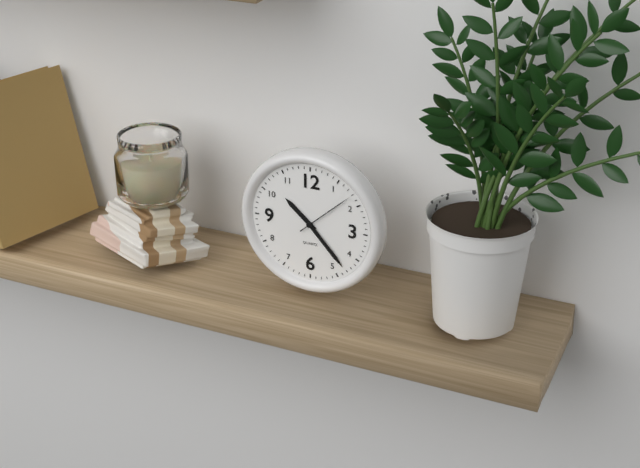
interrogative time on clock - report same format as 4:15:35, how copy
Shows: 10:23:08
